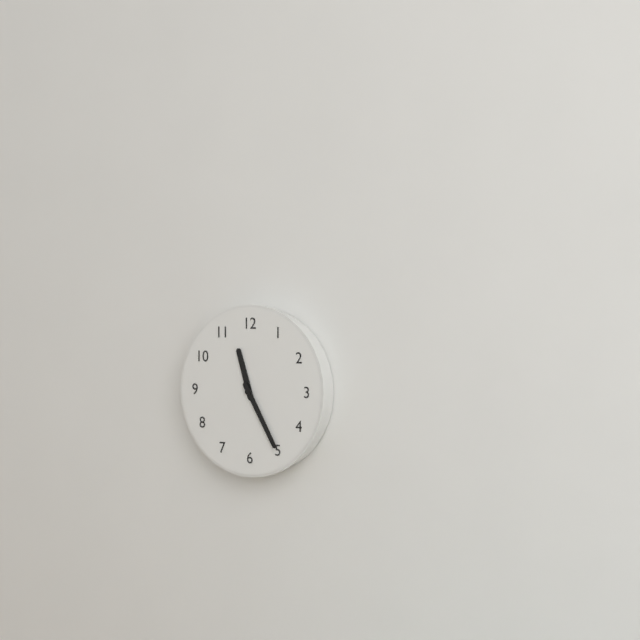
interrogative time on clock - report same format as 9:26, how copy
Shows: 11:25
